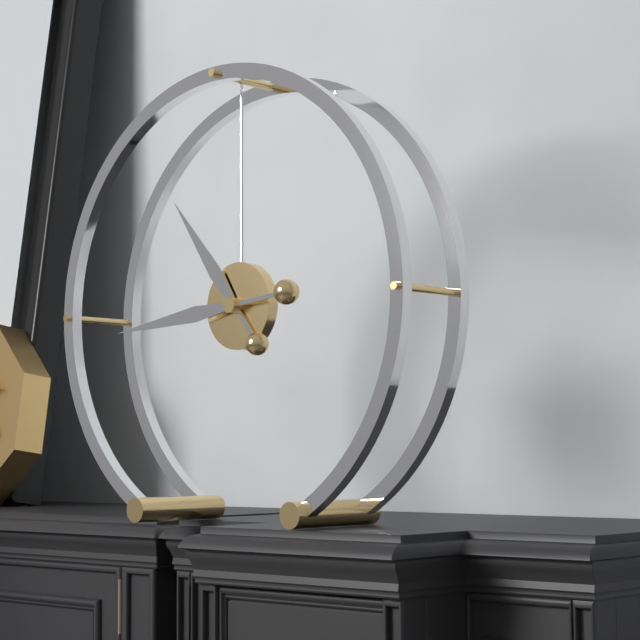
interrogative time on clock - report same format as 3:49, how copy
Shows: 10:44
